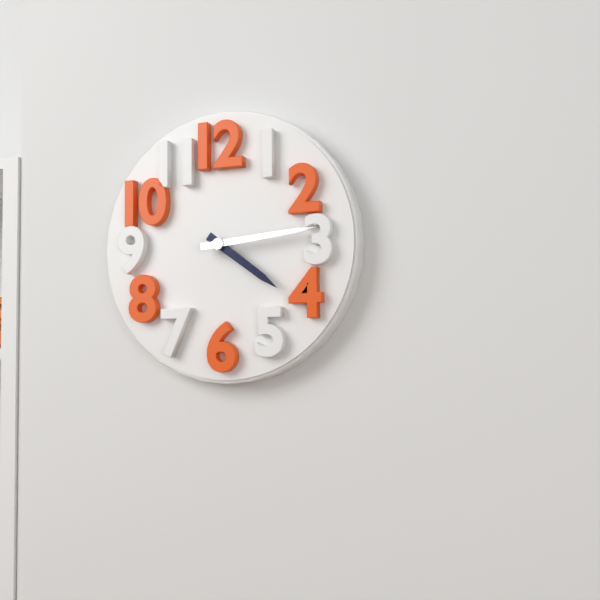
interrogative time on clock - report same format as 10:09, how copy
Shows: 4:14
